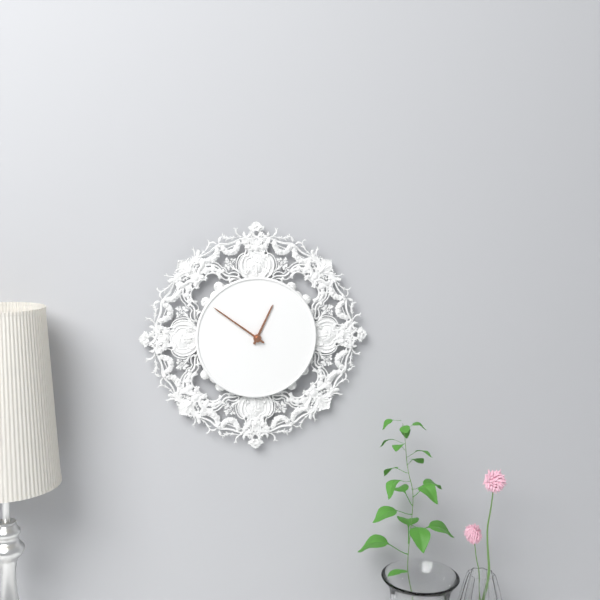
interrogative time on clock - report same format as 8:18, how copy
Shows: 12:51
